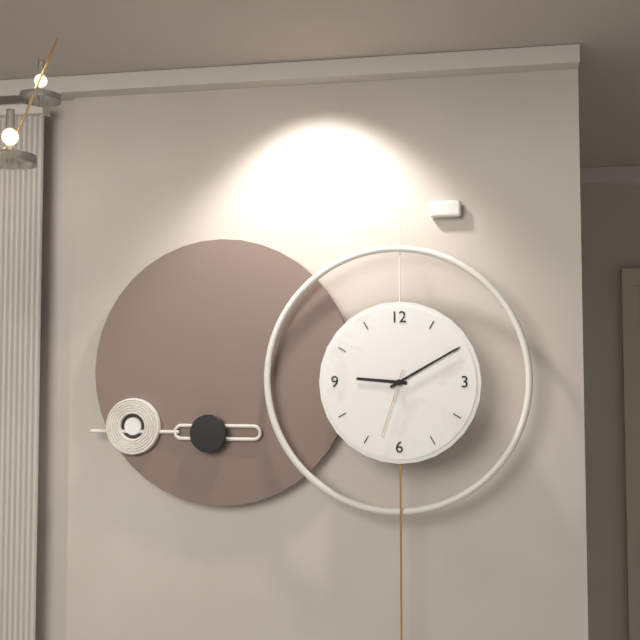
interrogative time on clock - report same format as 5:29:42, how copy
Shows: 9:10:33
